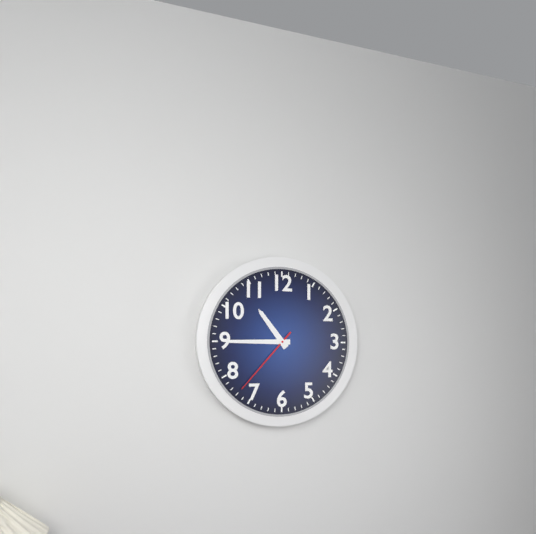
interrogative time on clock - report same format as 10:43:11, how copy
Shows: 10:45:37
